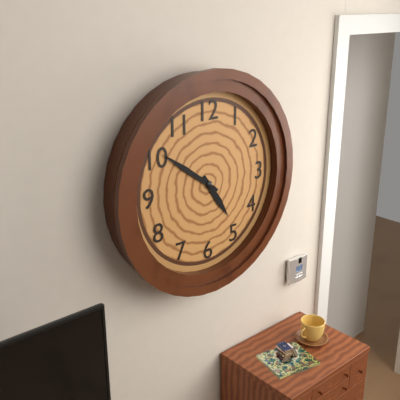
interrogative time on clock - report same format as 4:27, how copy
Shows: 4:51
